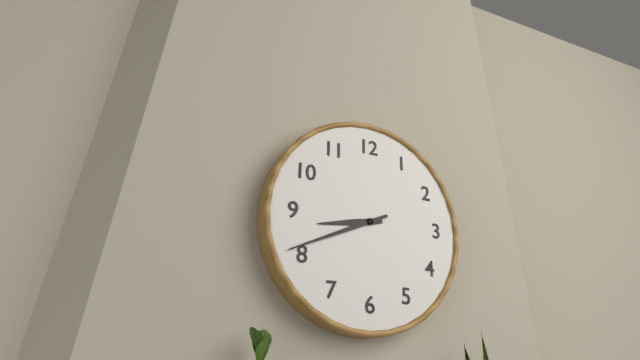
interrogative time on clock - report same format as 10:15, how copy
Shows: 8:41
